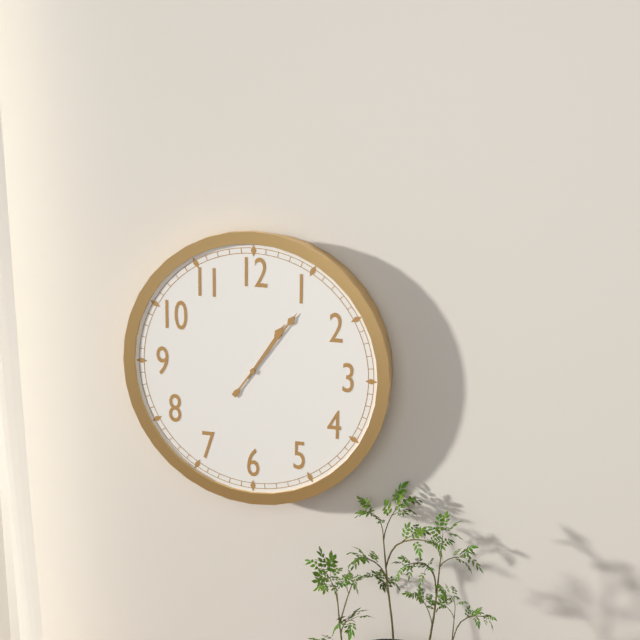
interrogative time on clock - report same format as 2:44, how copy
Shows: 1:06
